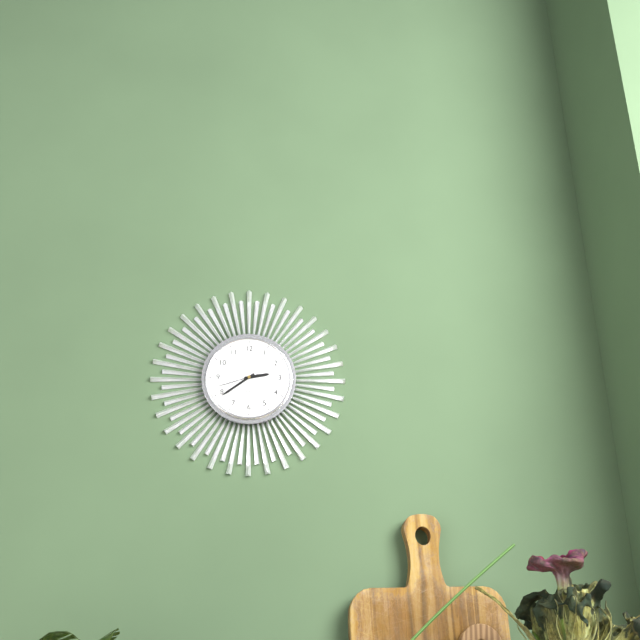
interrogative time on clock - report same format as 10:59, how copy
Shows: 2:39
